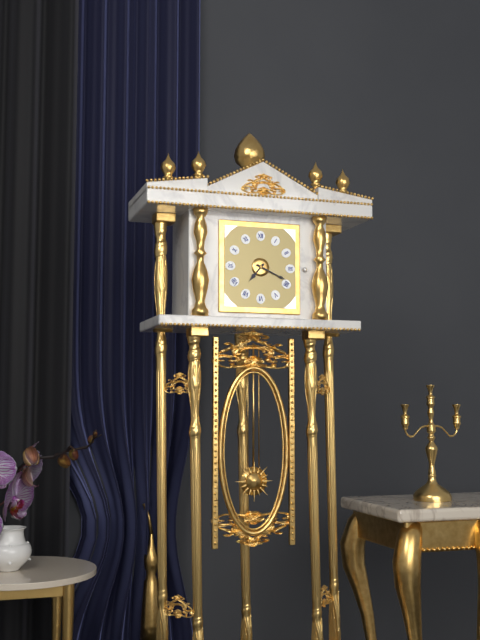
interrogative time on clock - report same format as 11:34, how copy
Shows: 7:19
